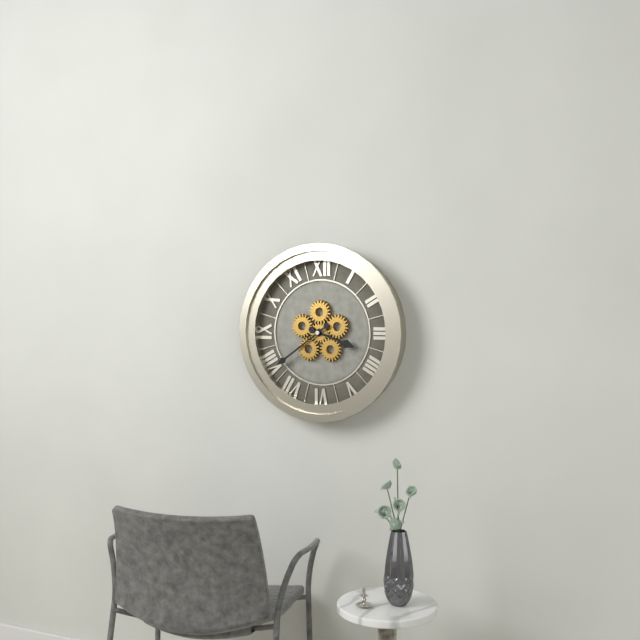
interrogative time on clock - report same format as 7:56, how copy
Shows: 3:39
